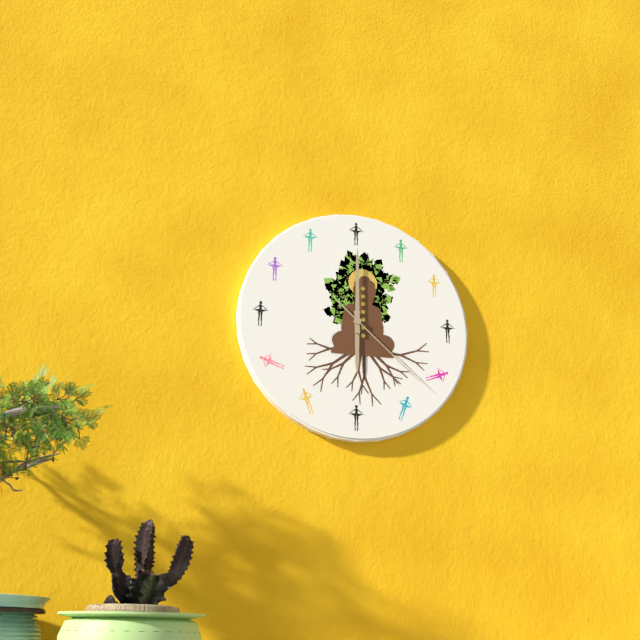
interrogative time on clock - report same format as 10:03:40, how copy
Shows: 6:00:22
